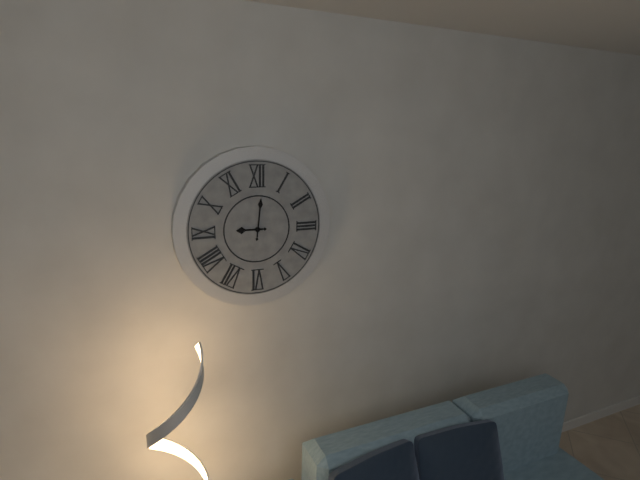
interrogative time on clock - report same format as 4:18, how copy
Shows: 9:01
